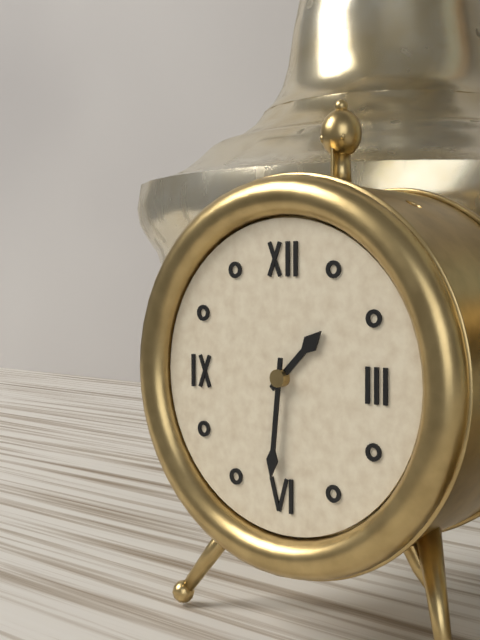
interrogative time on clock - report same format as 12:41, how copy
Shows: 1:31
